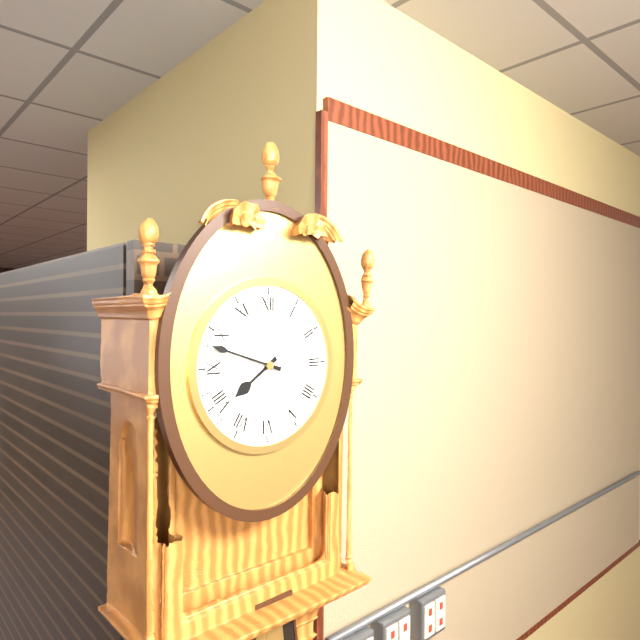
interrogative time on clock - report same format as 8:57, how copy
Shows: 7:48
